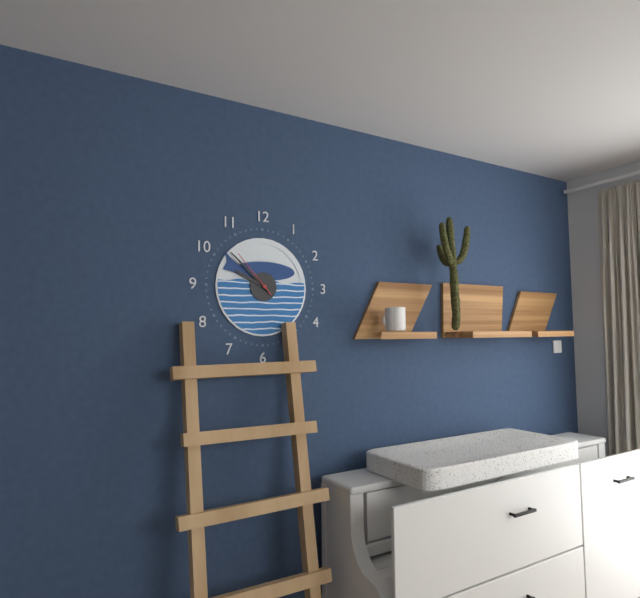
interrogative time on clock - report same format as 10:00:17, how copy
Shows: 9:52:53
